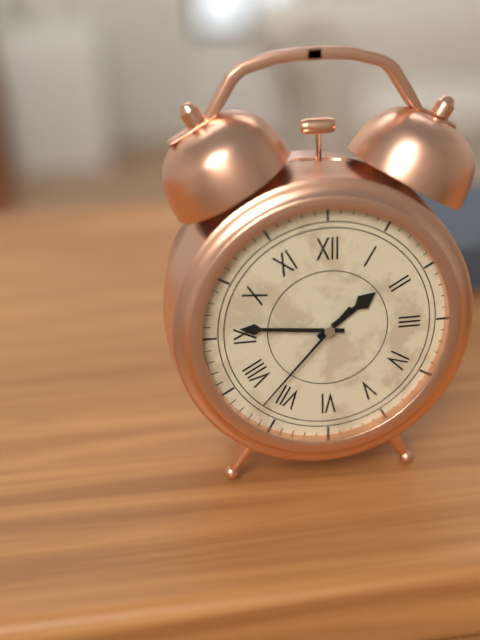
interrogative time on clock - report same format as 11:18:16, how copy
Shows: 1:46:37
